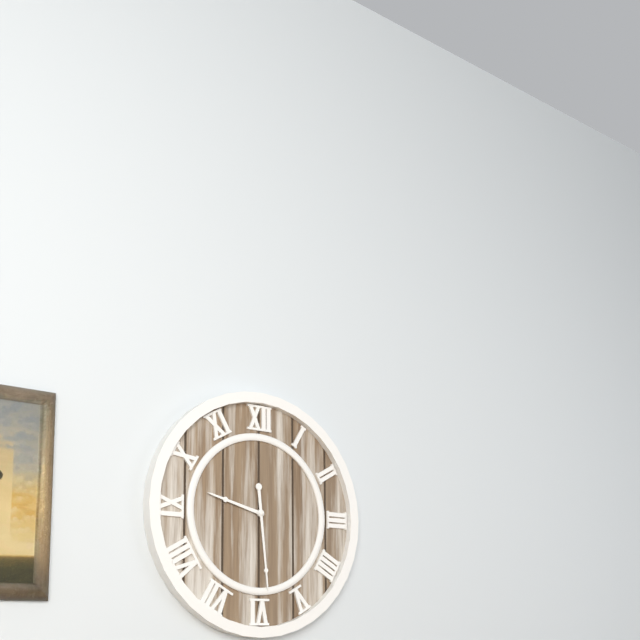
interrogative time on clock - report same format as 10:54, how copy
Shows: 9:29
